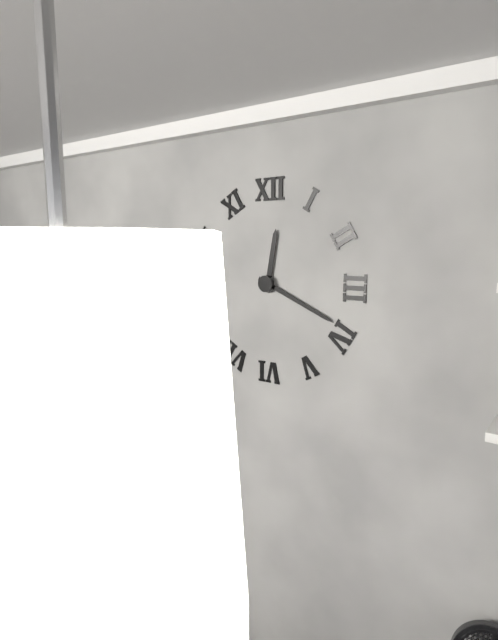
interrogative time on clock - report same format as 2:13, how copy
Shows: 12:19
